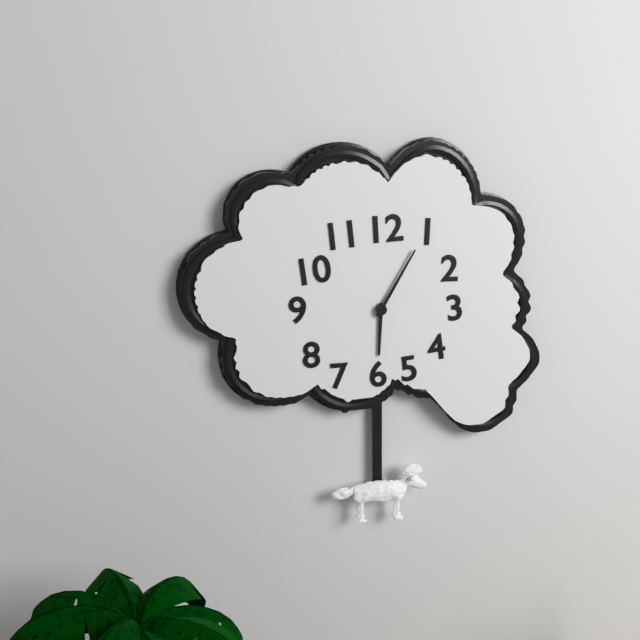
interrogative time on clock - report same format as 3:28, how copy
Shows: 6:05
